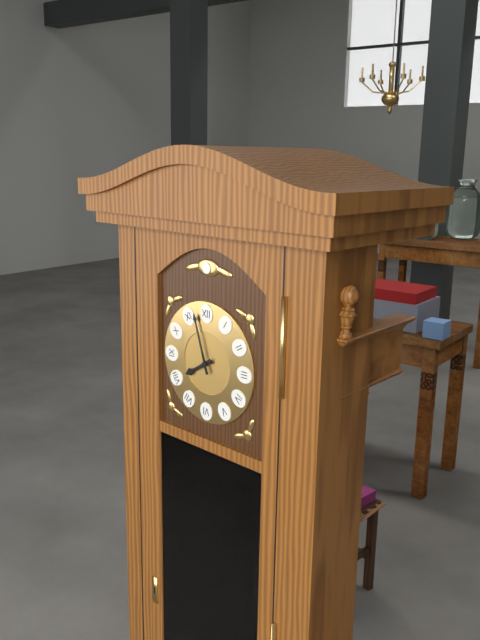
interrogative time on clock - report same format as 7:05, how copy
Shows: 7:57
